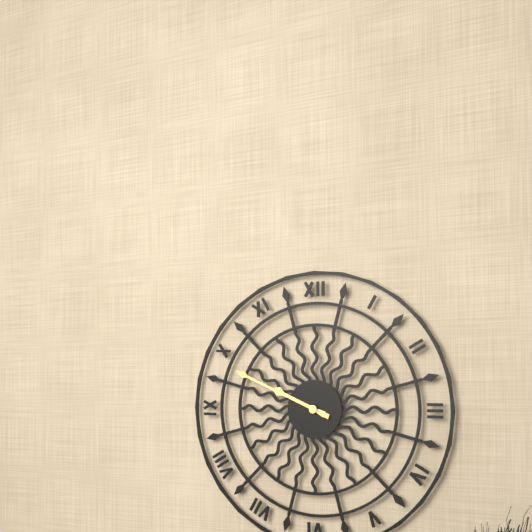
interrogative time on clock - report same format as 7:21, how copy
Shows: 9:49
